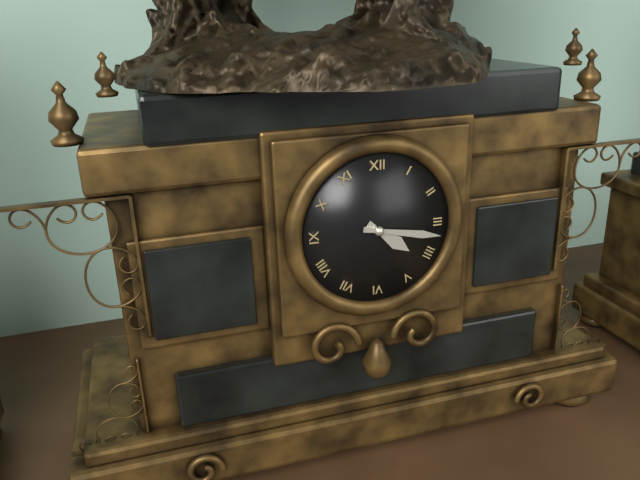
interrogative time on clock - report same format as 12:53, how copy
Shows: 4:17
